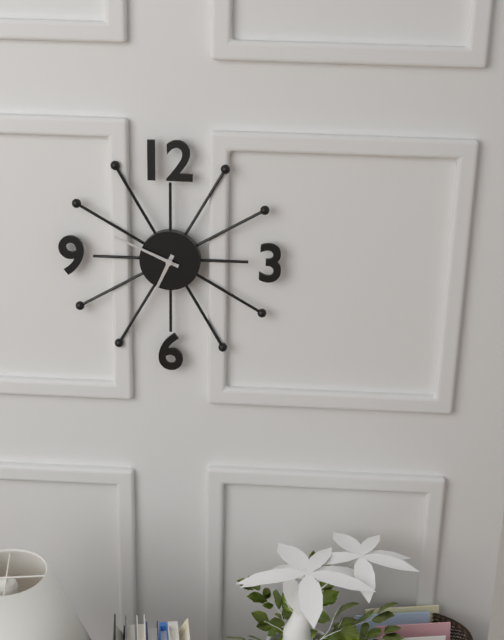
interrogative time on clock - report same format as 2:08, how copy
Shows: 6:49
